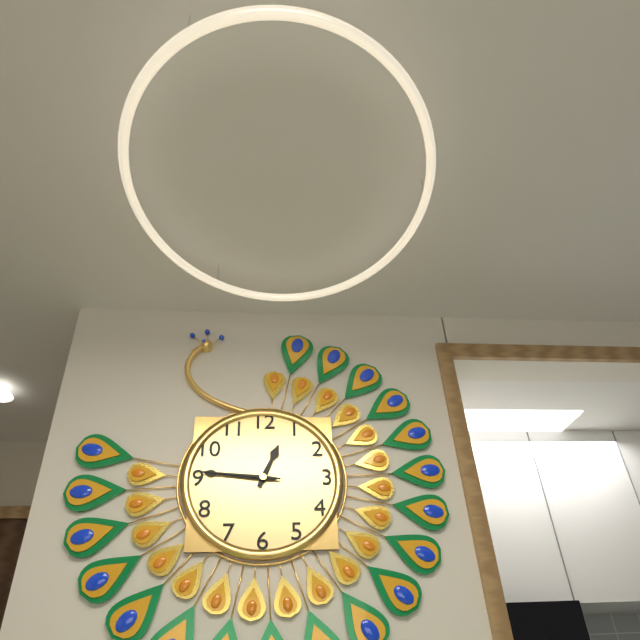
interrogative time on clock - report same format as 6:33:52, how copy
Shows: 12:46:46
